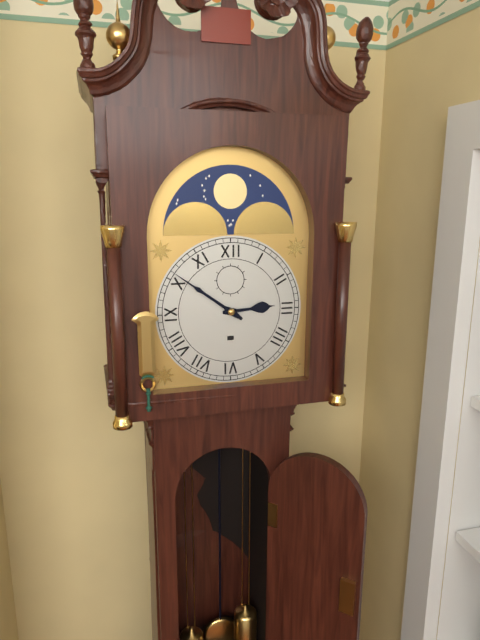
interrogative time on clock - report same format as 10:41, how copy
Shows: 2:51
